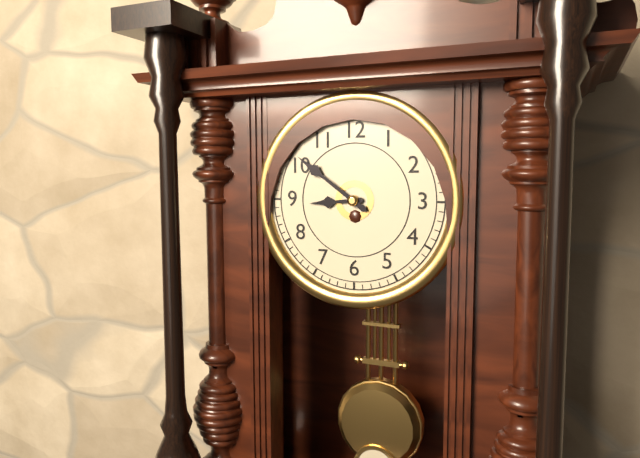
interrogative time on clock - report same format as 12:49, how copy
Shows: 8:51
